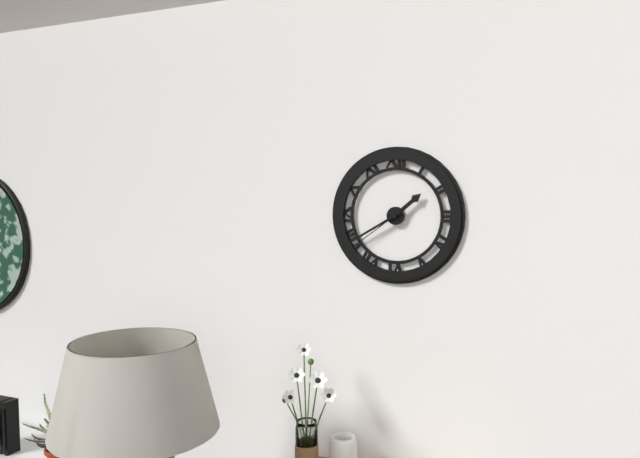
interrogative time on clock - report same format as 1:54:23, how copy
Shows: 1:40:39
